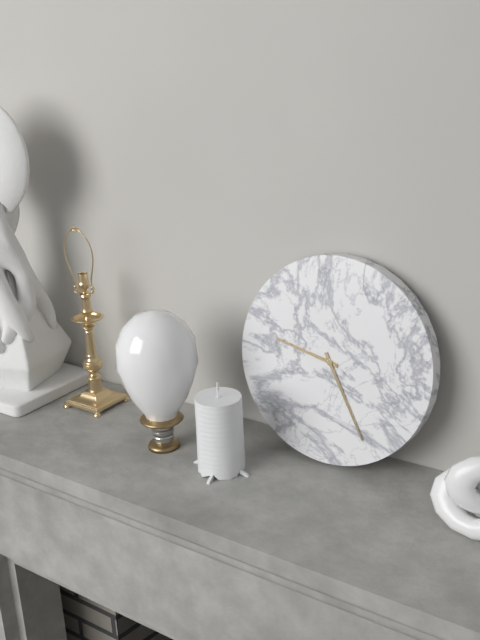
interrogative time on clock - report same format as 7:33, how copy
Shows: 9:25
